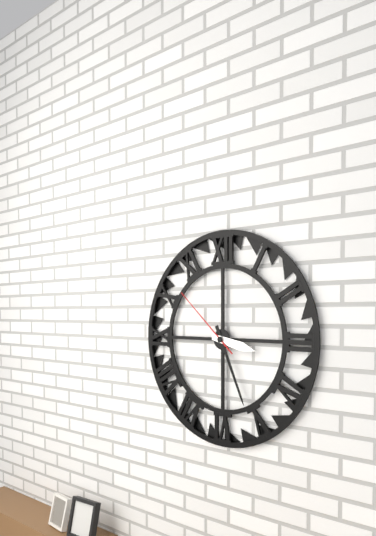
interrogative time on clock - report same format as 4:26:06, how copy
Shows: 3:26:52
